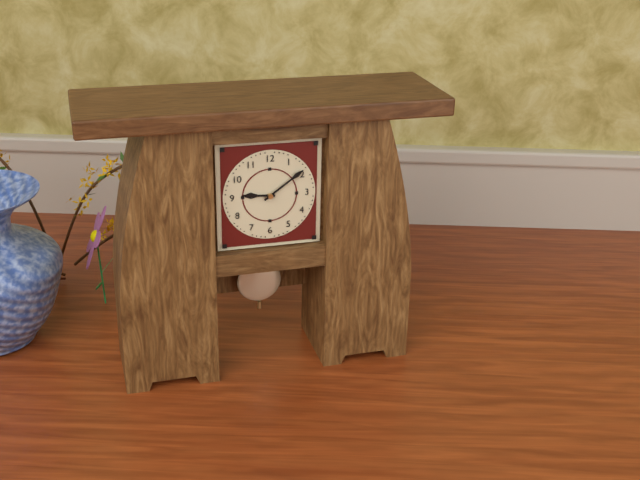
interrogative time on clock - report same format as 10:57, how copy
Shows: 9:09
